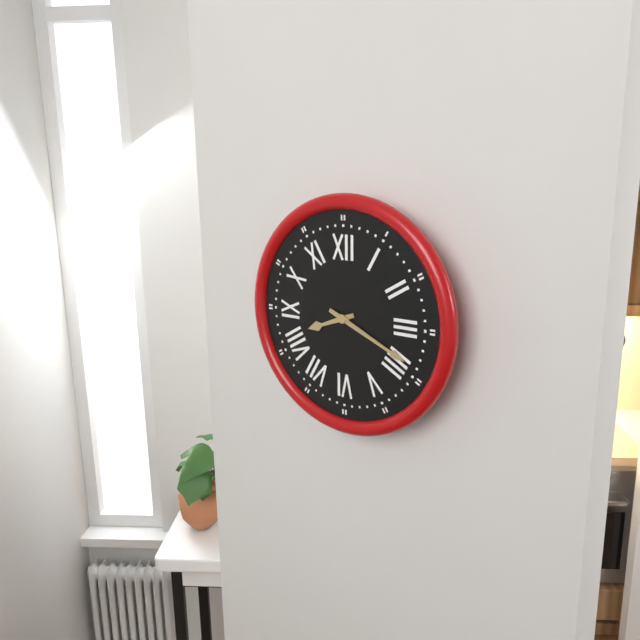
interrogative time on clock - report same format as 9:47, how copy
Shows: 8:19
